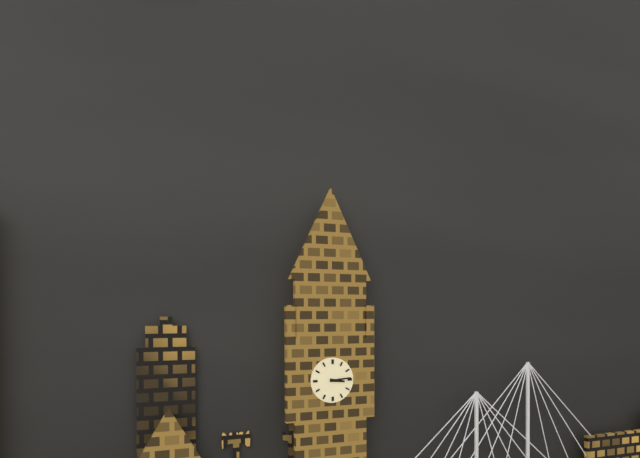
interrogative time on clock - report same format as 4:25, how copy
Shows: 3:14
